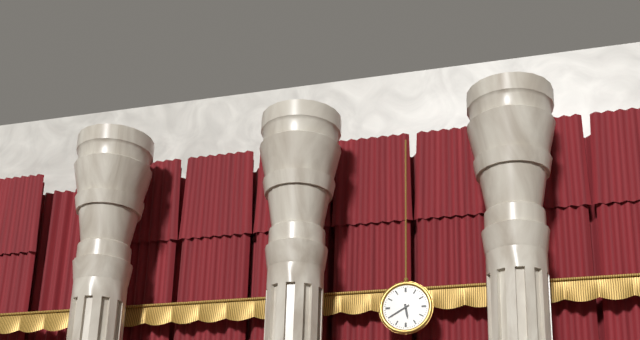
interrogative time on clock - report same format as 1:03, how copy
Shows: 5:40
